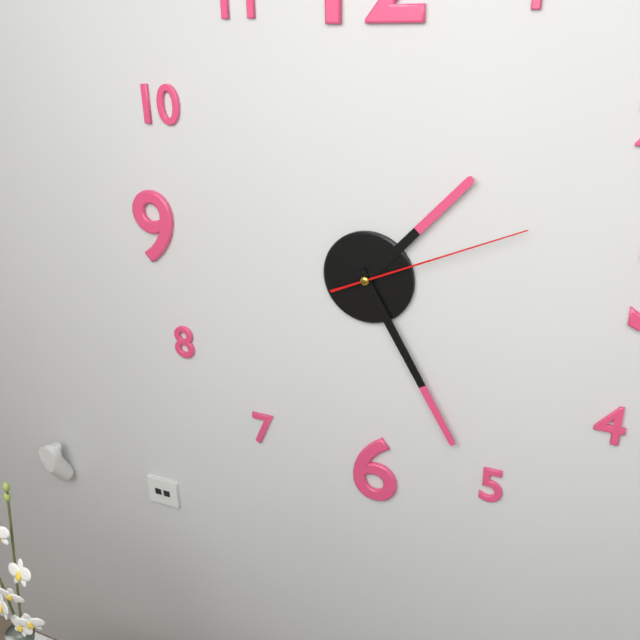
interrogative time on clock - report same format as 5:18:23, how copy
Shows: 1:25:11
